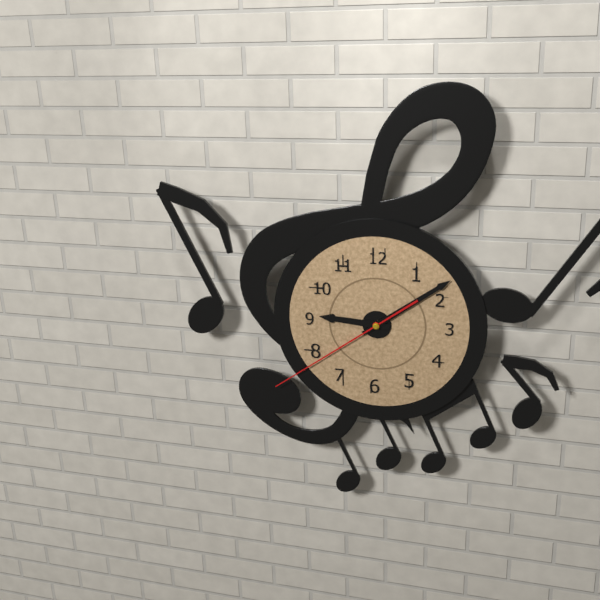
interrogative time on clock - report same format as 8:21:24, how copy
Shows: 9:09:39
